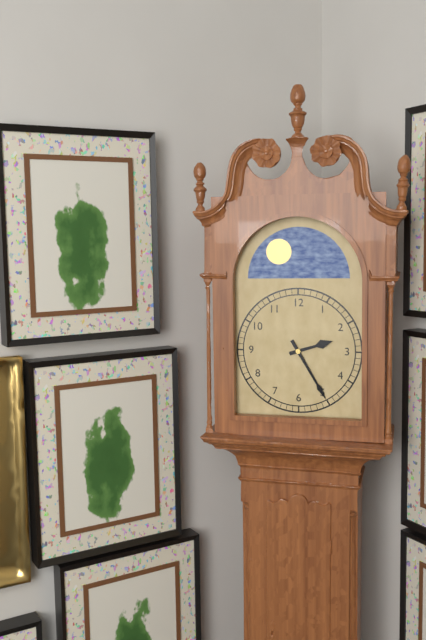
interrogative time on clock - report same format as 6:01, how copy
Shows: 2:25
